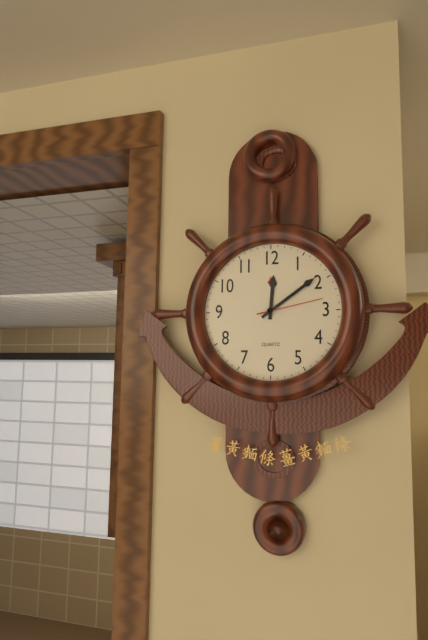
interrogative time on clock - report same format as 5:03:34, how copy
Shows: 12:09:13
